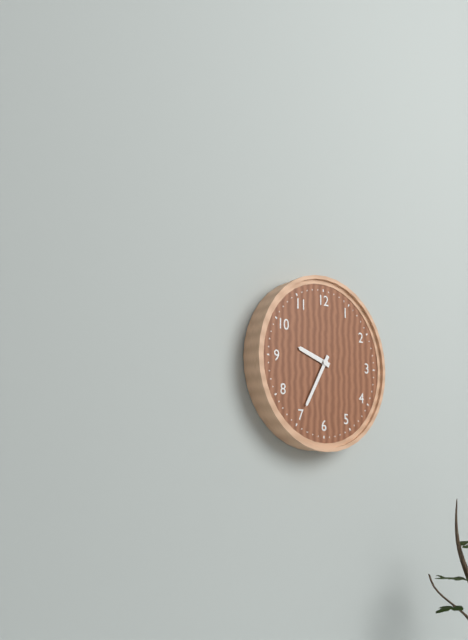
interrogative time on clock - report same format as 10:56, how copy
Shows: 9:35
